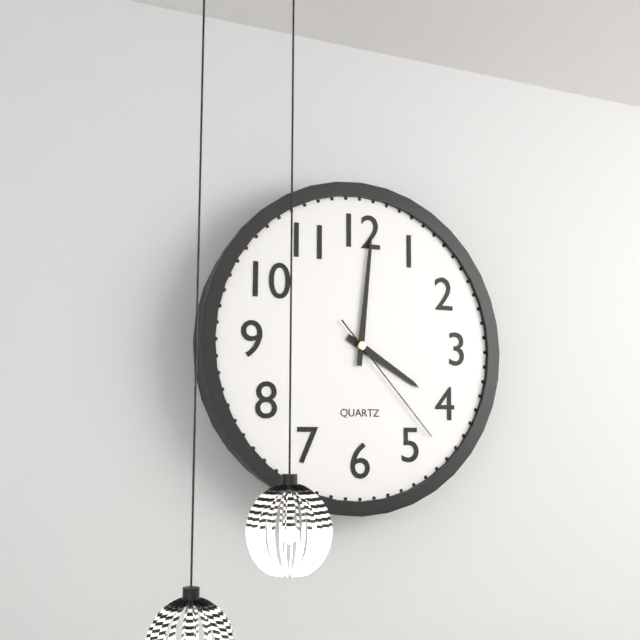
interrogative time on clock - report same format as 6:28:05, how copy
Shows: 4:01:23
